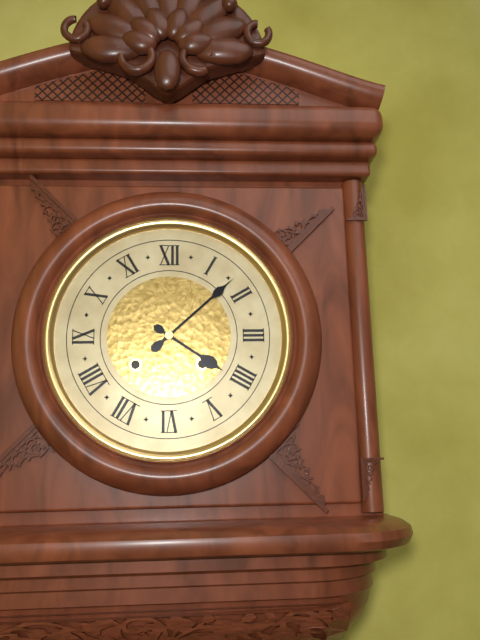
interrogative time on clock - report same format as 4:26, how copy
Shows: 4:08
